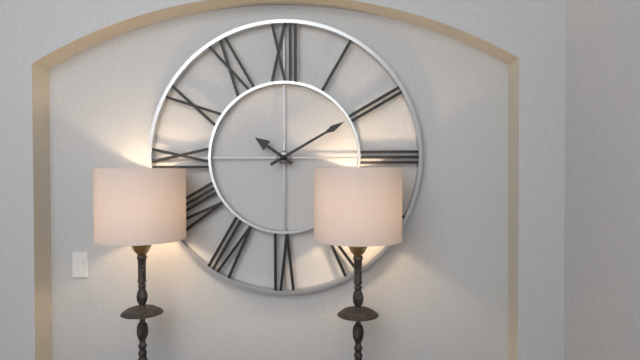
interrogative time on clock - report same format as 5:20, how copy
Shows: 10:10
